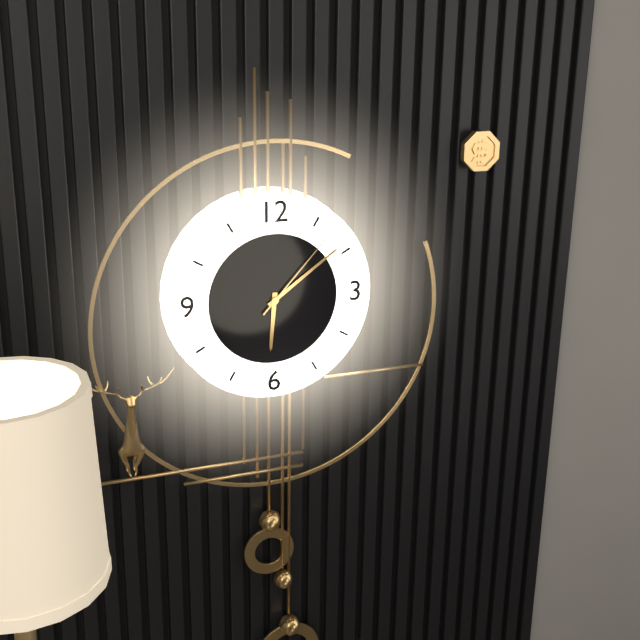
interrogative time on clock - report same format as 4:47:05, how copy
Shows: 6:09:07
